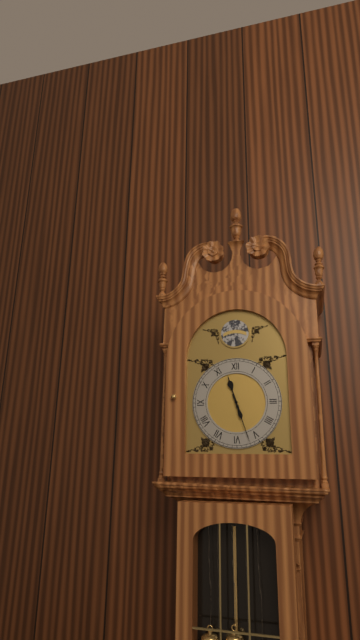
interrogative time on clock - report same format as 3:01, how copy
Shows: 11:27
